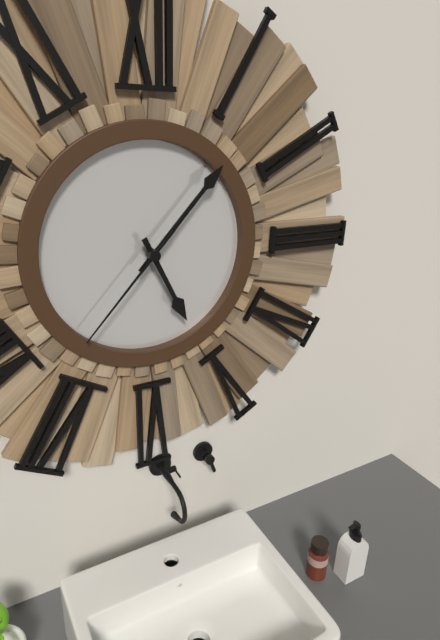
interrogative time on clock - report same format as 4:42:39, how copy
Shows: 5:07:37
